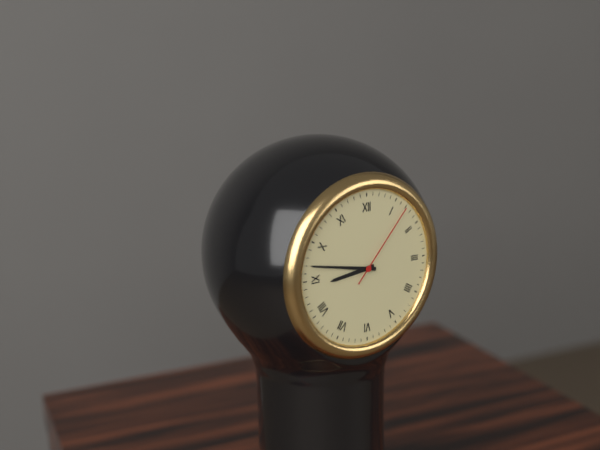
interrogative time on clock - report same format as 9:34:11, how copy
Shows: 8:47:07
